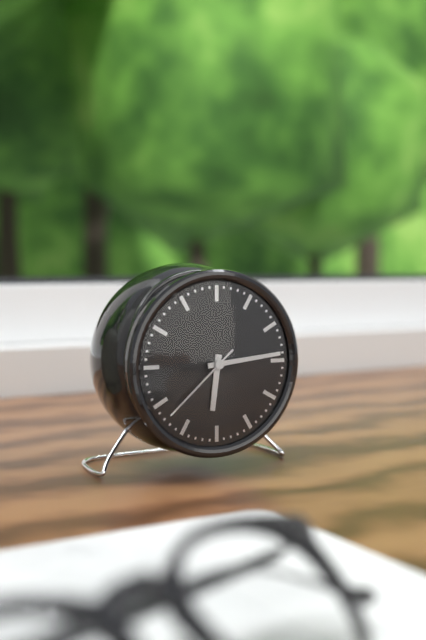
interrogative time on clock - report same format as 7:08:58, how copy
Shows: 6:14:38
